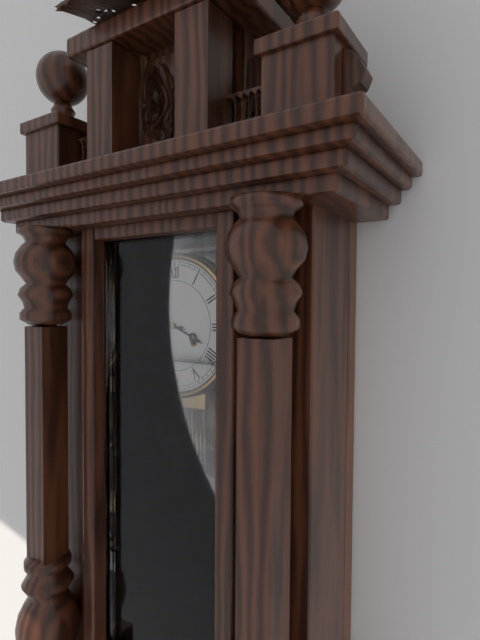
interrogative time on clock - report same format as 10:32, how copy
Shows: 3:47
